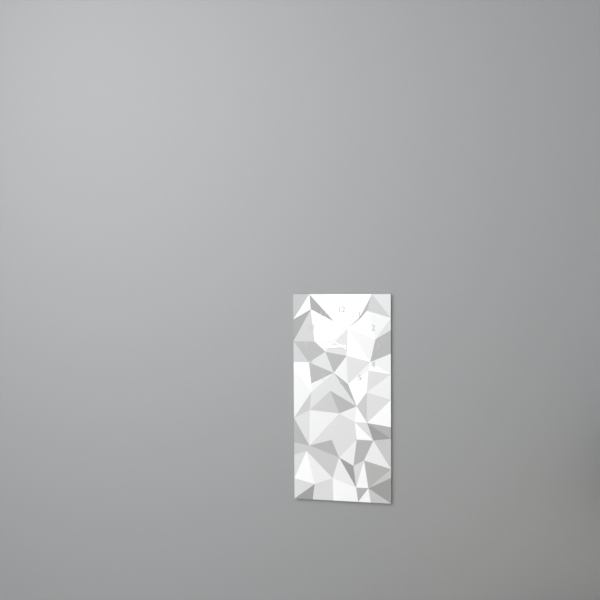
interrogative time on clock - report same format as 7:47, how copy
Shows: 8:50
